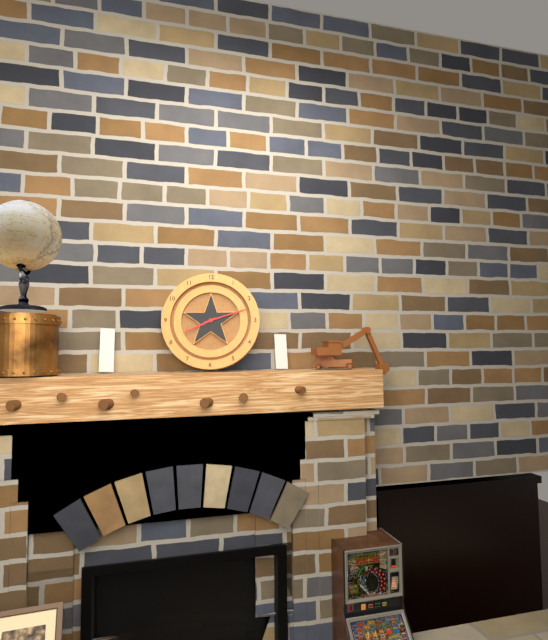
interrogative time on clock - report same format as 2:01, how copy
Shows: 8:12
